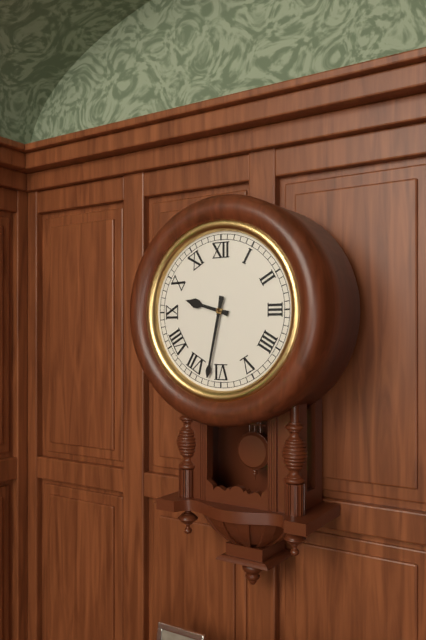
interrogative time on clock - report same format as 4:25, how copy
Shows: 9:32
